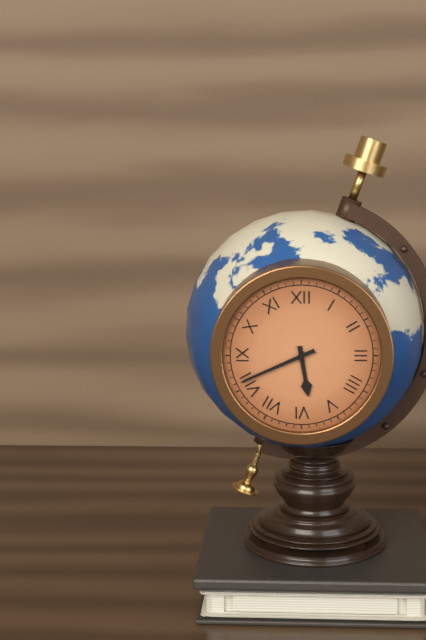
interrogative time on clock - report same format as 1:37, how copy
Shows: 5:41
